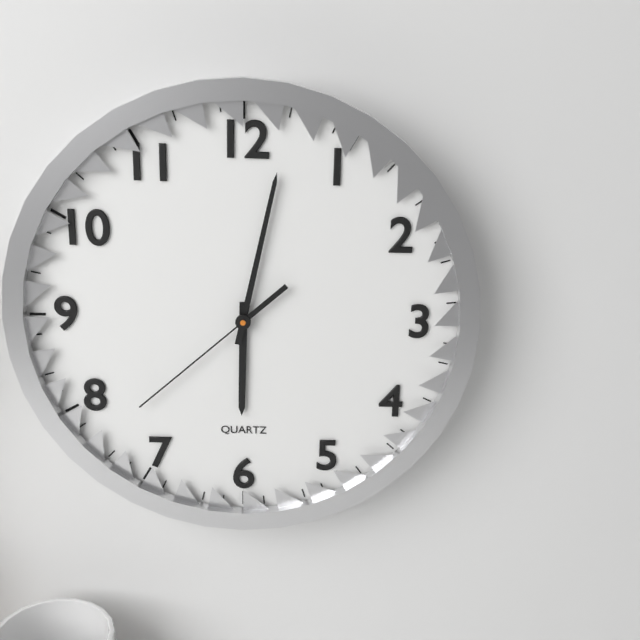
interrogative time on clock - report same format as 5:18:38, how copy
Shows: 6:02:38
